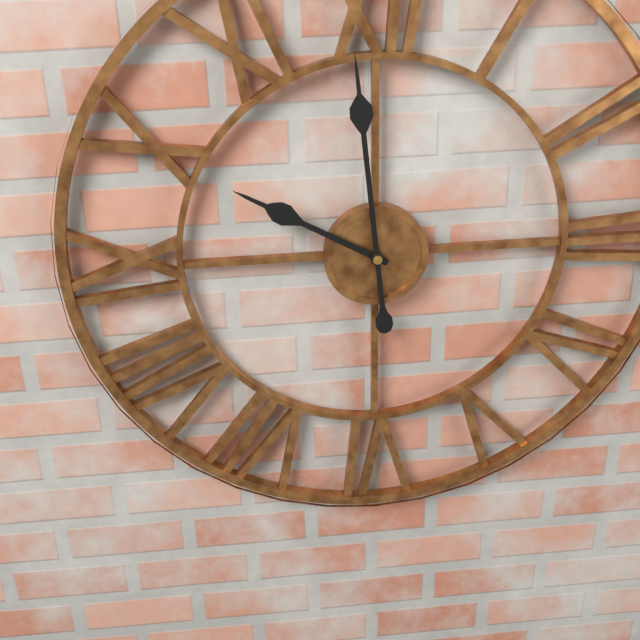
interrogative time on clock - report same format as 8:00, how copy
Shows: 9:59
